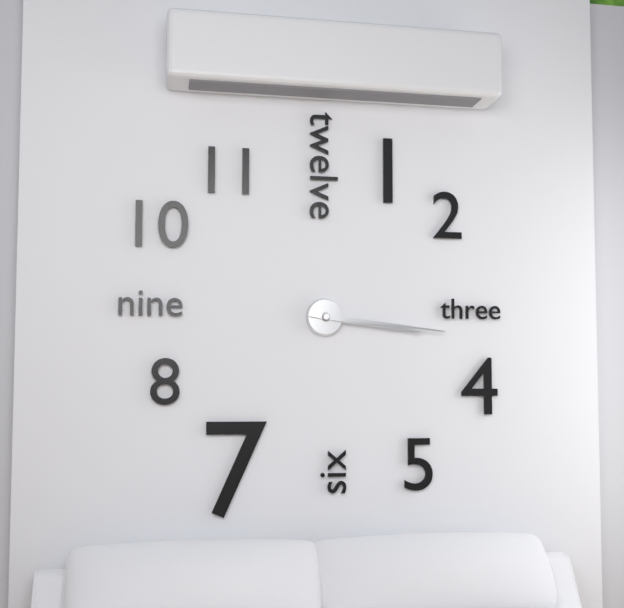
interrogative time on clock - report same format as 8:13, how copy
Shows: 3:16
